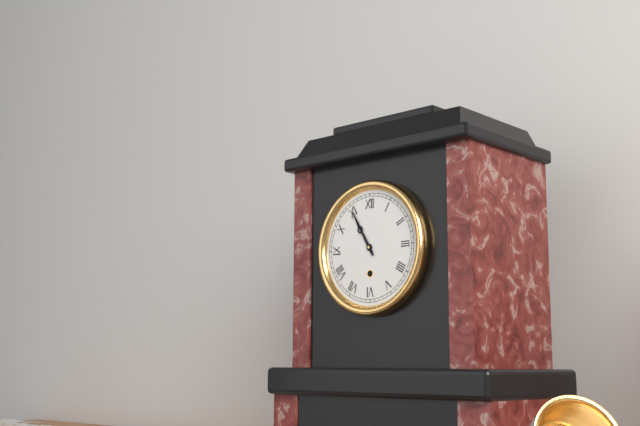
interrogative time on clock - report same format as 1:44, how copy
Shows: 10:55
